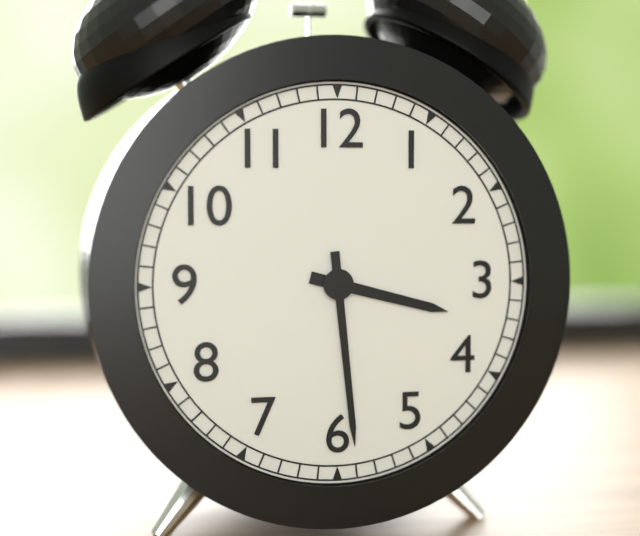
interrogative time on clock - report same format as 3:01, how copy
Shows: 3:29
